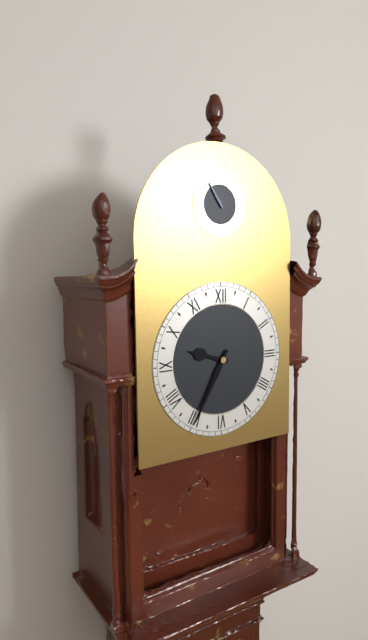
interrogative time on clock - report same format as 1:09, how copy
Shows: 9:35
